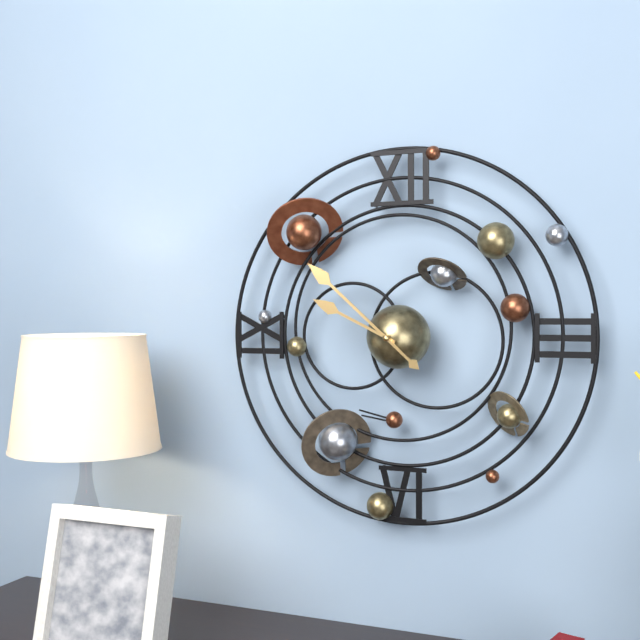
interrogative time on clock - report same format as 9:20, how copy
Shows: 9:52
